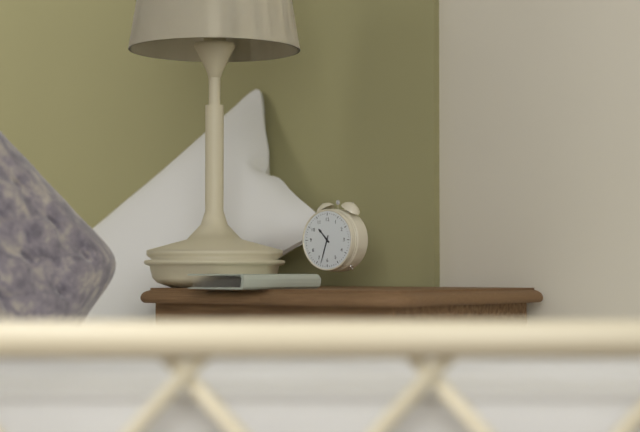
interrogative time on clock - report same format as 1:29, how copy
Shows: 10:33
